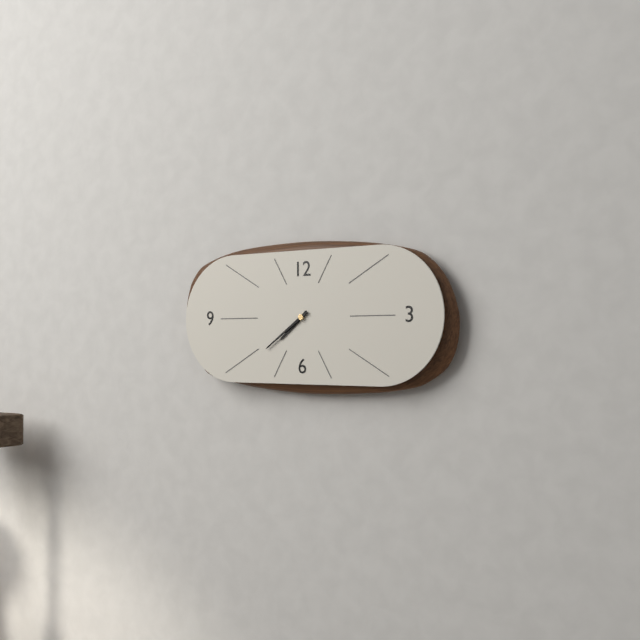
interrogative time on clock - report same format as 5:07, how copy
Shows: 7:39
